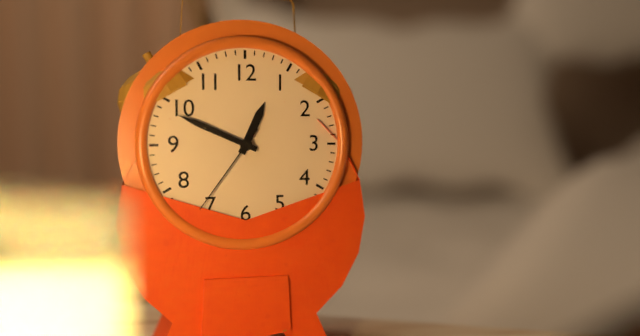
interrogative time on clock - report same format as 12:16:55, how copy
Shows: 12:49:36
